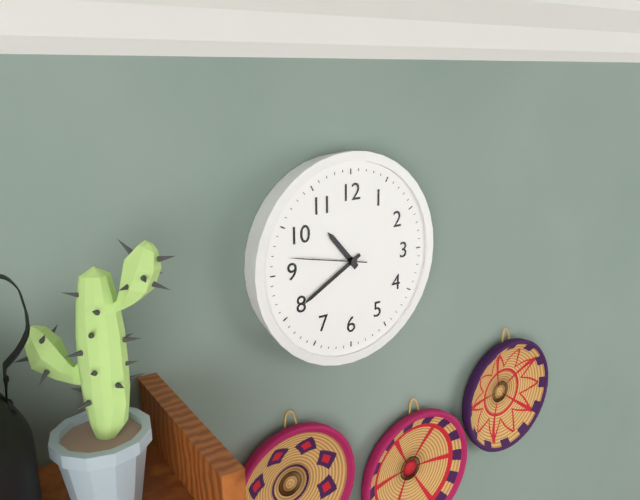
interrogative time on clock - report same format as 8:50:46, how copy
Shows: 10:40:47
